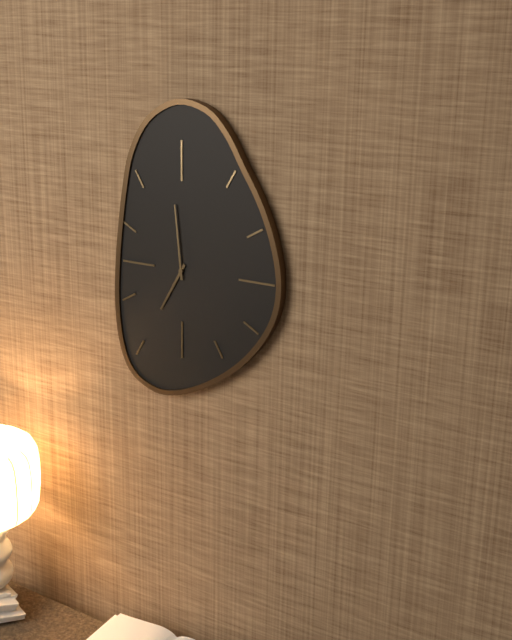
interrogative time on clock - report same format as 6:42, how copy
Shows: 6:59
